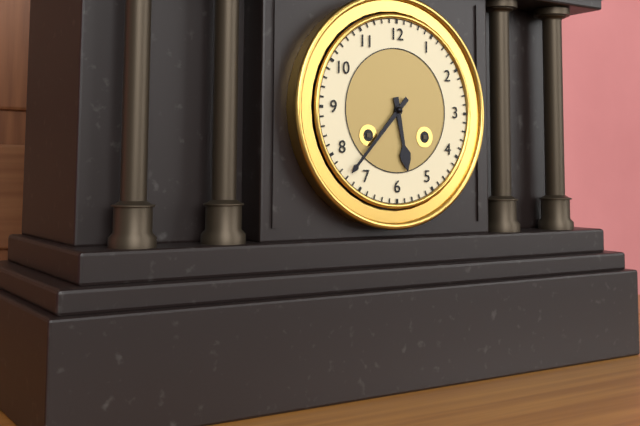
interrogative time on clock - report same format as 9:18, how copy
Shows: 5:37
